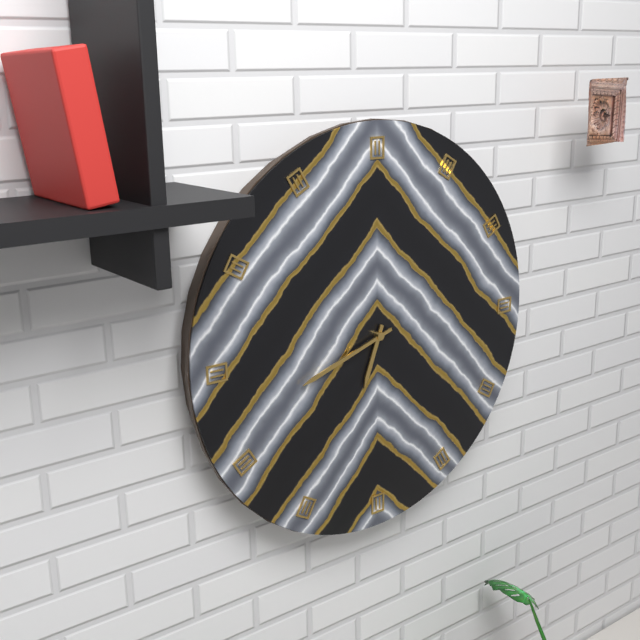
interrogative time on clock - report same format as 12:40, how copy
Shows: 6:42
